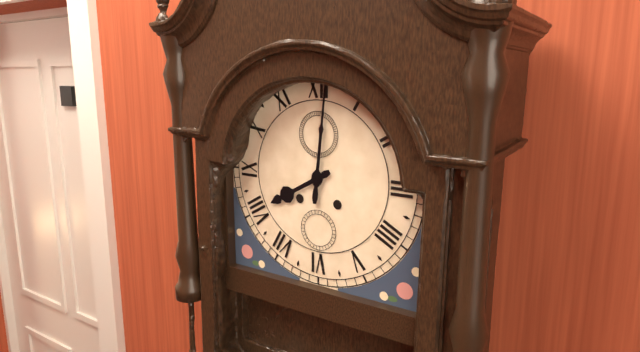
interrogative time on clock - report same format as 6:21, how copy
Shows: 8:01
